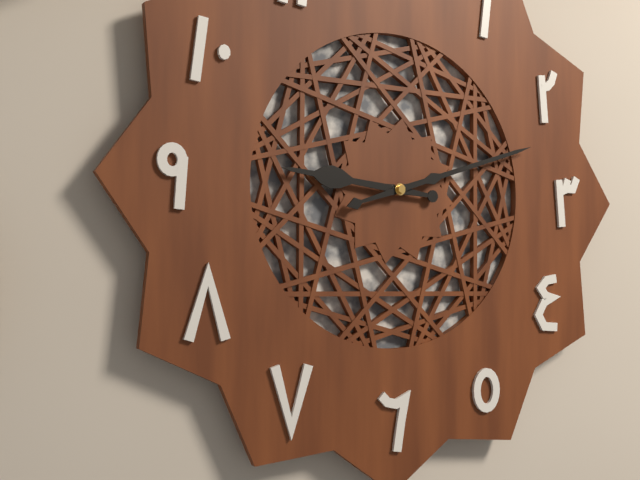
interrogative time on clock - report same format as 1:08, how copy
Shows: 9:12
